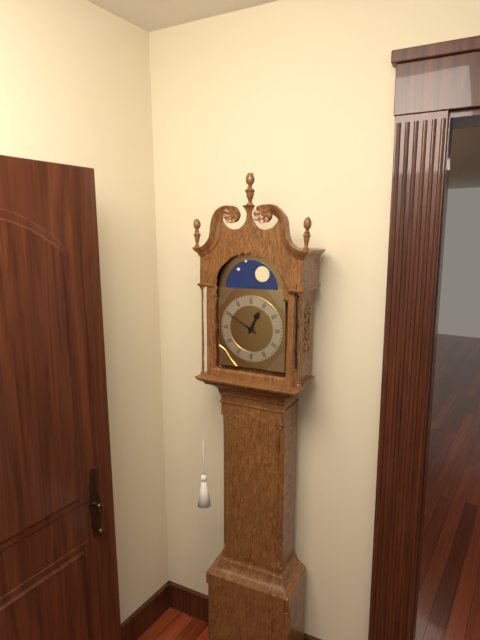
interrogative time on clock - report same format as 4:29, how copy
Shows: 12:50
